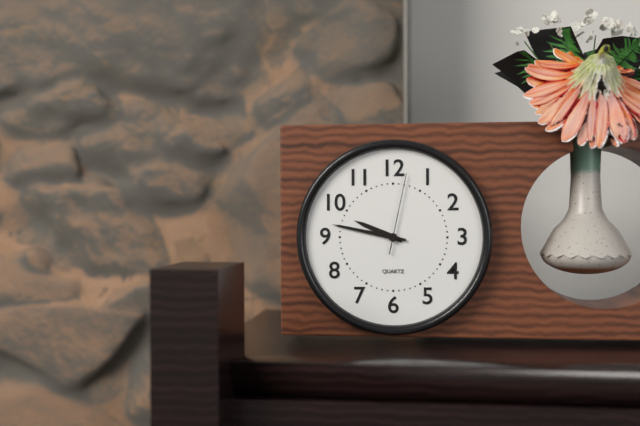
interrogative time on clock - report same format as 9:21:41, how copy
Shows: 9:47:02
